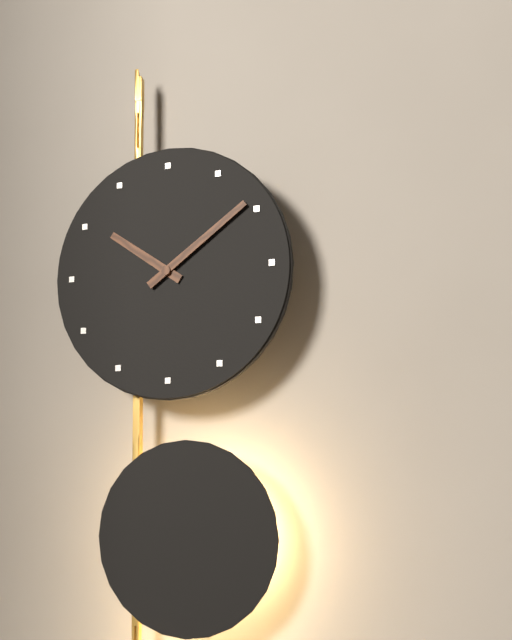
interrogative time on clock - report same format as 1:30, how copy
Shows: 10:09
